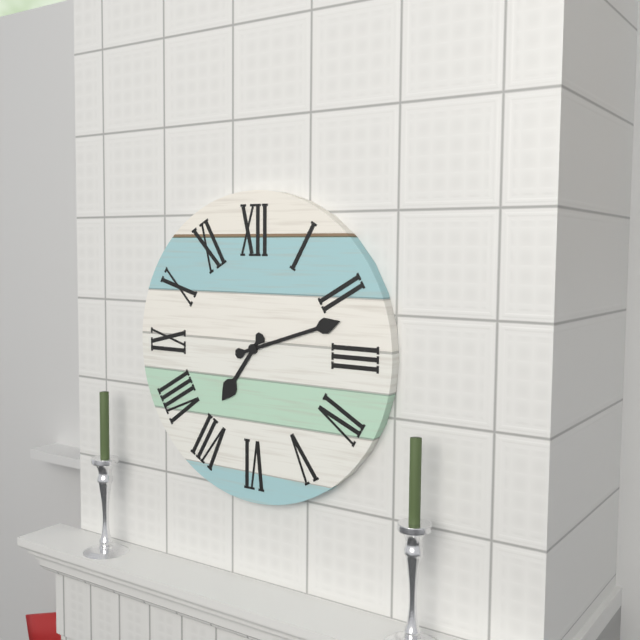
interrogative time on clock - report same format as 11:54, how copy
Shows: 7:12
